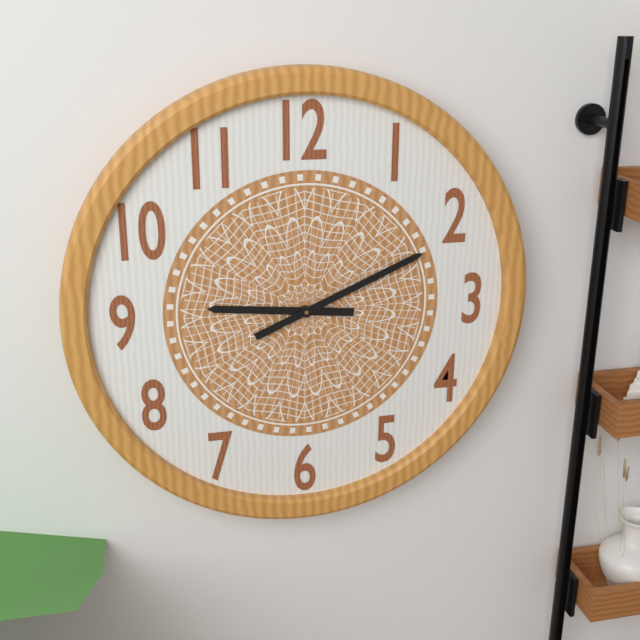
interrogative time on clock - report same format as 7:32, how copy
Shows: 9:11
